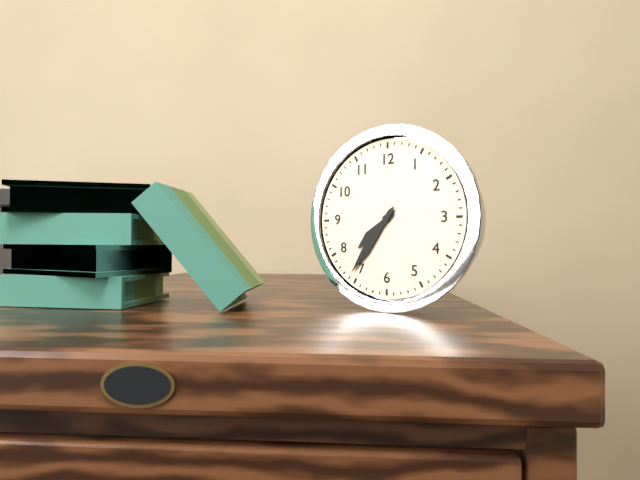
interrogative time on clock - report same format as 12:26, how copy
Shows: 7:36
